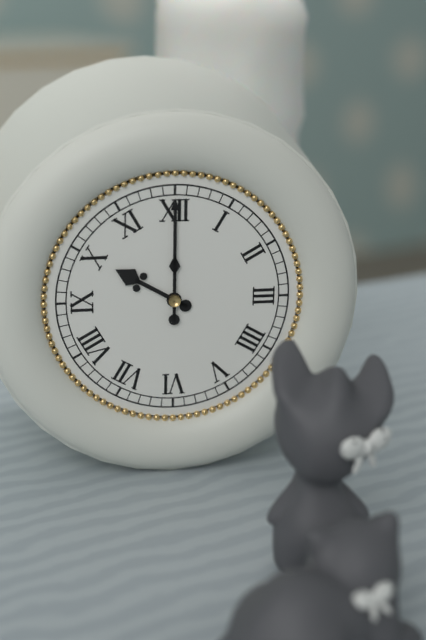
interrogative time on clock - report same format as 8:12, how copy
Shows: 10:00
